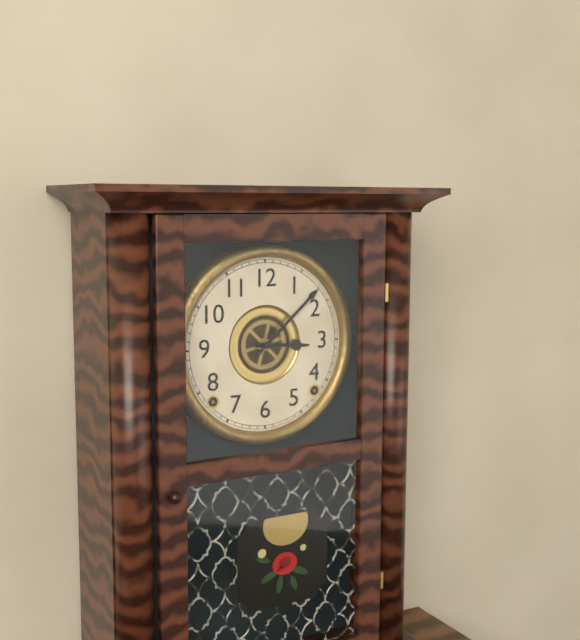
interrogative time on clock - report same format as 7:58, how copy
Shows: 3:08
